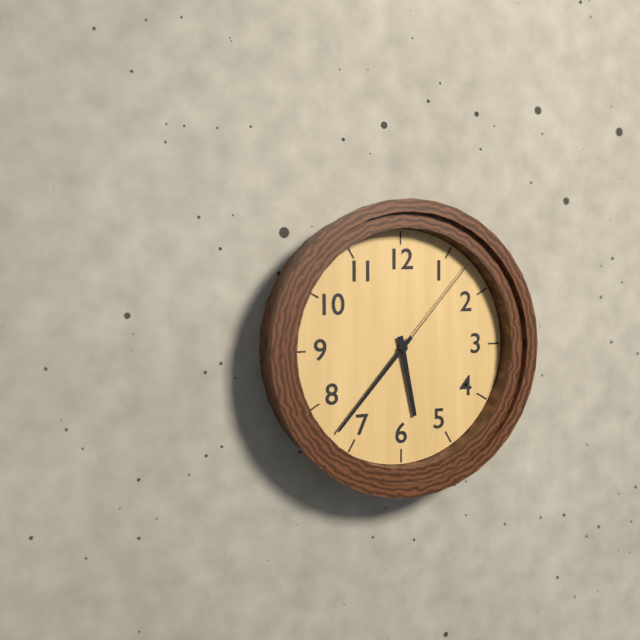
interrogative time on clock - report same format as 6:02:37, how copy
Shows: 5:37:07
